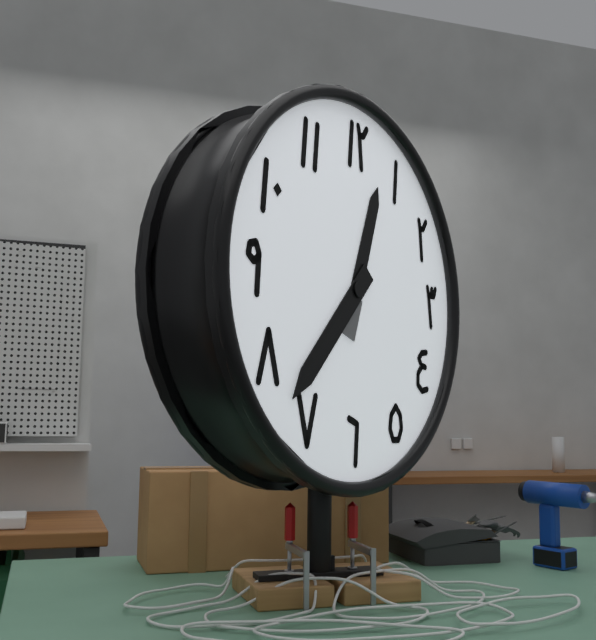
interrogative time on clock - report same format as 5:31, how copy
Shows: 12:37
